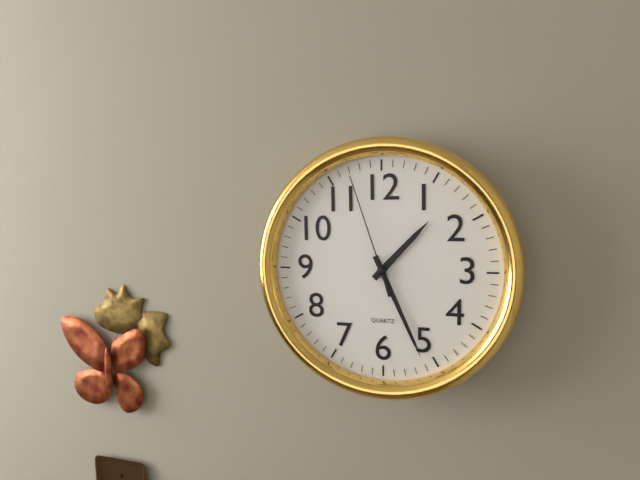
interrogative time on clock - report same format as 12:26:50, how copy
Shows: 1:26:57
